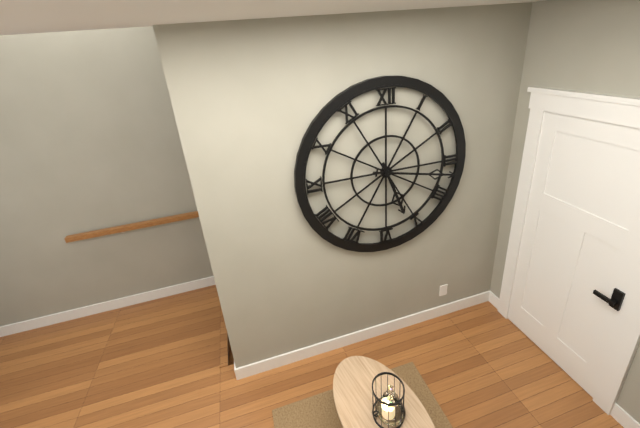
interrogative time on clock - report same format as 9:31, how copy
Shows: 5:17
